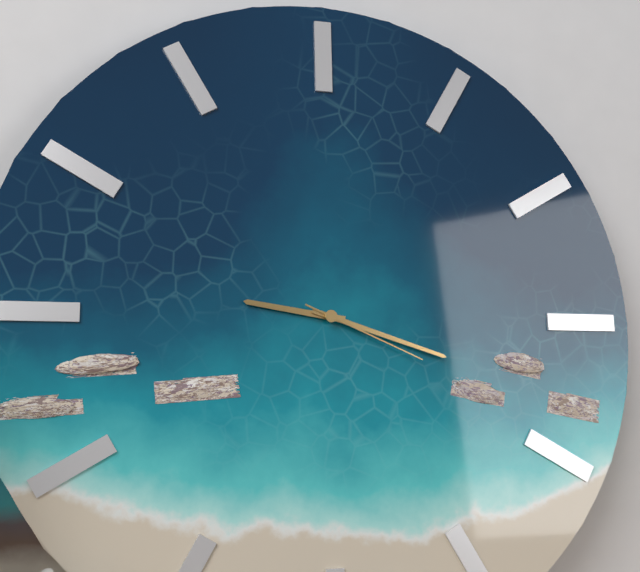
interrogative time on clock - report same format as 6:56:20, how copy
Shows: 9:18:19
